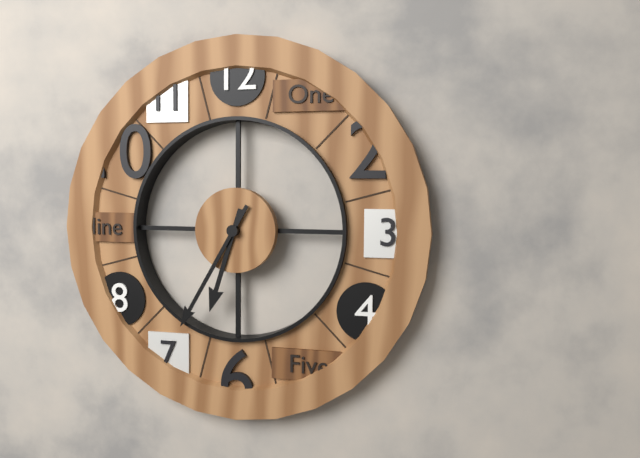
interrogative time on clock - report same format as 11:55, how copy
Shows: 6:35
